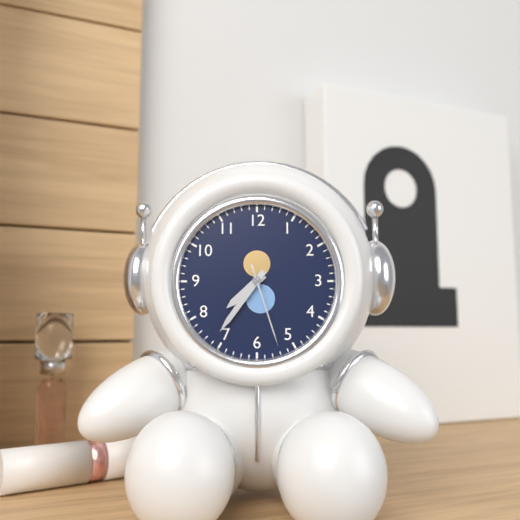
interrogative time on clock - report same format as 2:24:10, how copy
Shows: 7:36:27
